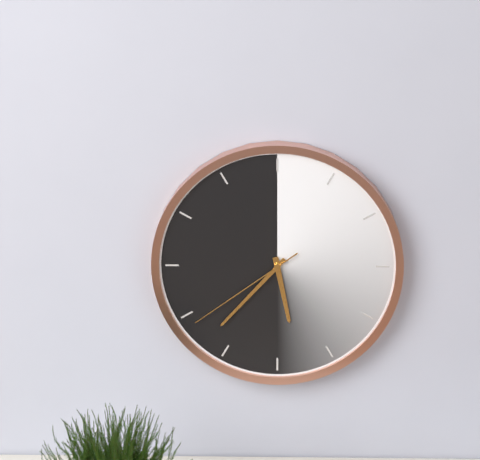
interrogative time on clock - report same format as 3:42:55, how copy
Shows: 5:37:39
